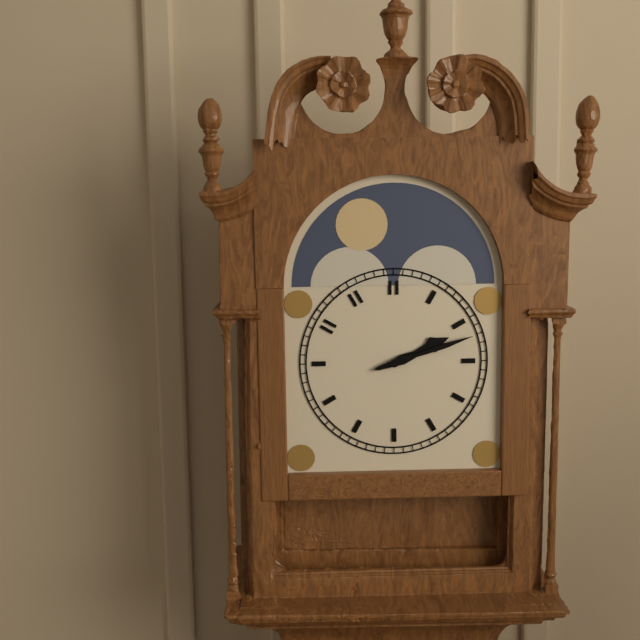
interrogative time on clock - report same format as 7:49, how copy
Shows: 2:12
